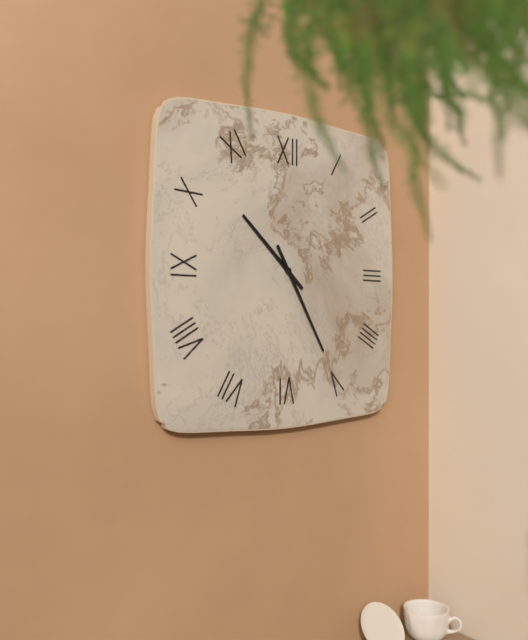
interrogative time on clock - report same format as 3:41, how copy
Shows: 10:25
